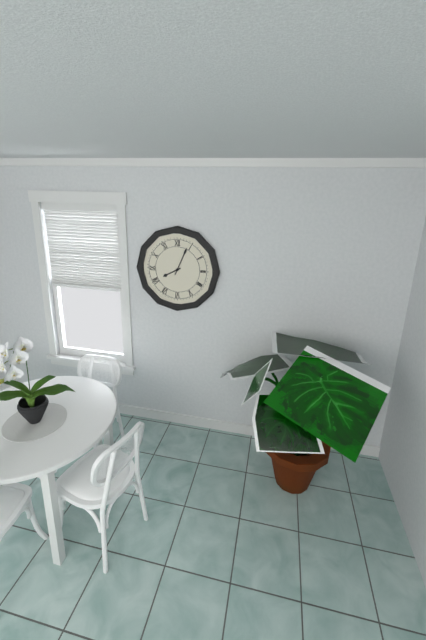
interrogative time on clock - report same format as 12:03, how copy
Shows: 8:04
